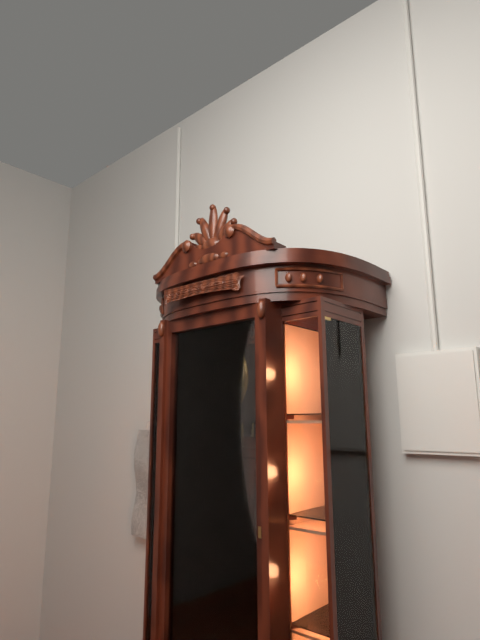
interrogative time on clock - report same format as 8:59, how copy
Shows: 5:21
